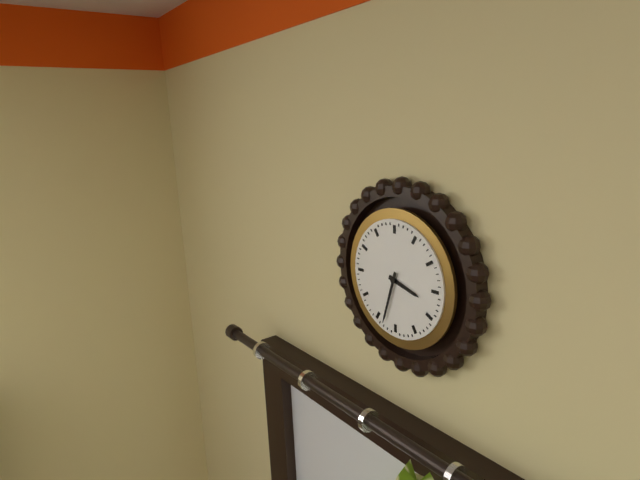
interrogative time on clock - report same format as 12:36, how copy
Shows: 3:33
